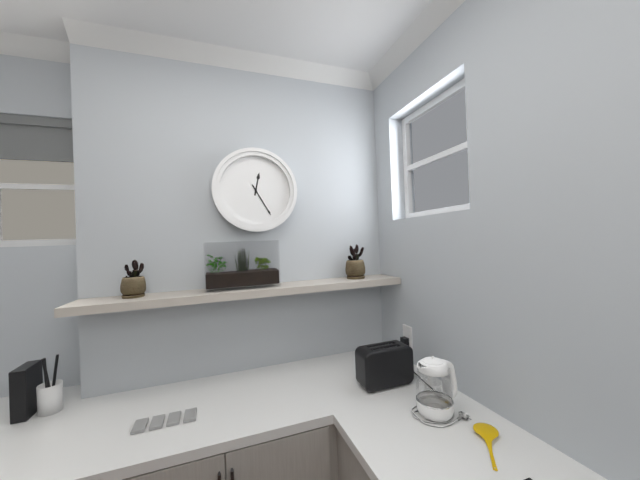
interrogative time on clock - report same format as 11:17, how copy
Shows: 12:25
